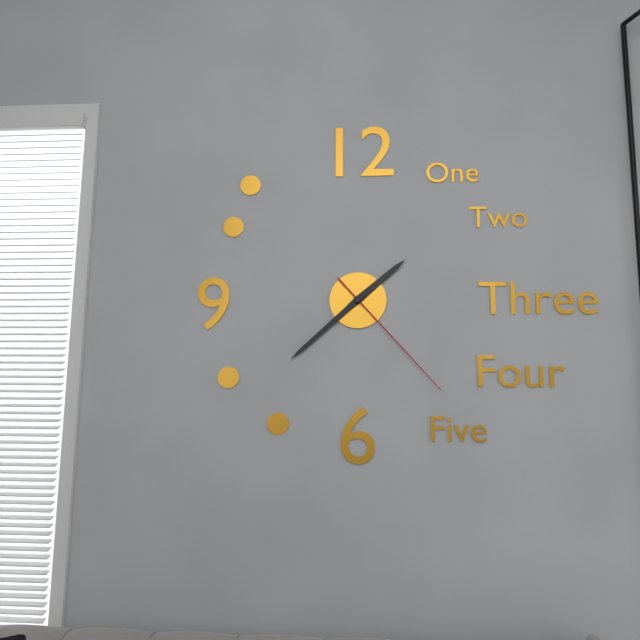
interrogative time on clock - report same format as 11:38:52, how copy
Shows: 1:38:23
